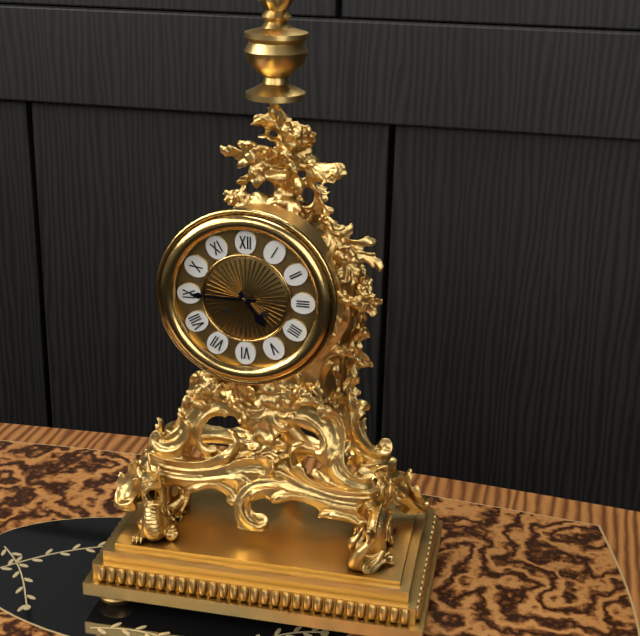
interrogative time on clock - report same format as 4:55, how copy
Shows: 4:45
